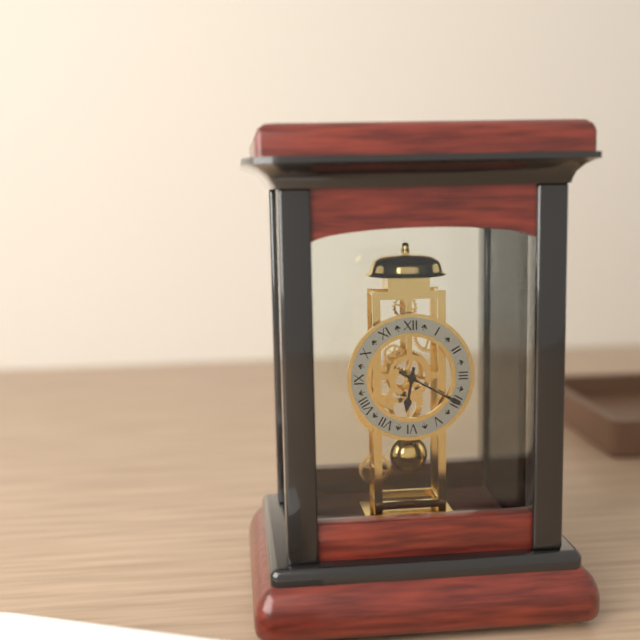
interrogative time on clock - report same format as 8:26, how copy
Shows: 6:20
